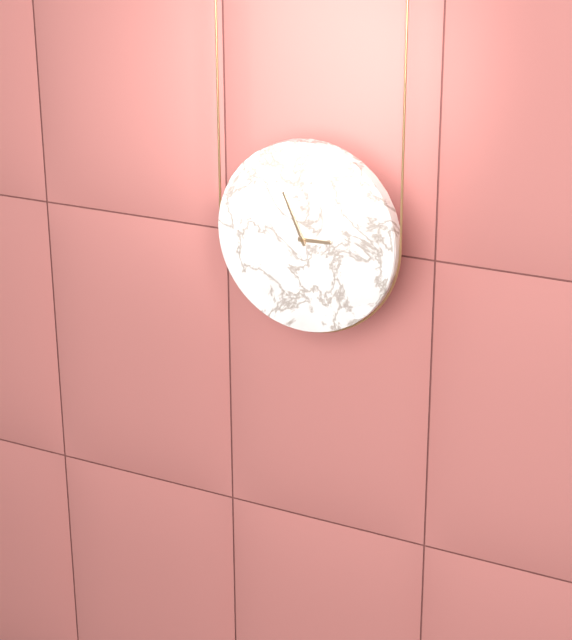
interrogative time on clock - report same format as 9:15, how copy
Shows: 2:56
